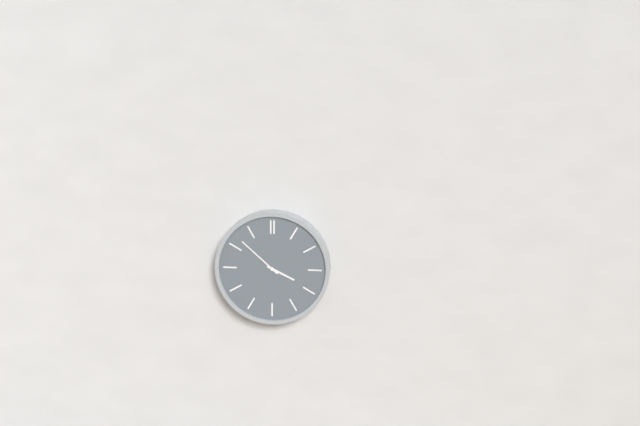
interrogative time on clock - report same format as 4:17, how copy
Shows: 3:52
